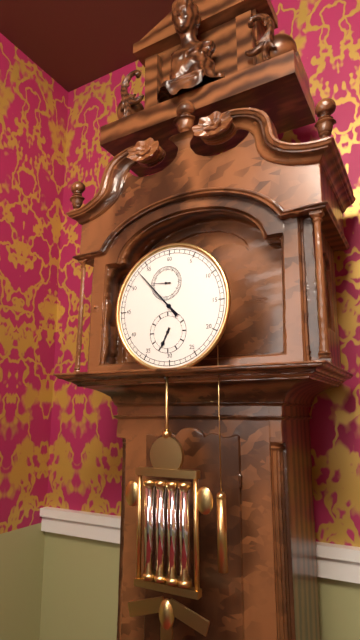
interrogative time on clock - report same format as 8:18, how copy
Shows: 6:53
